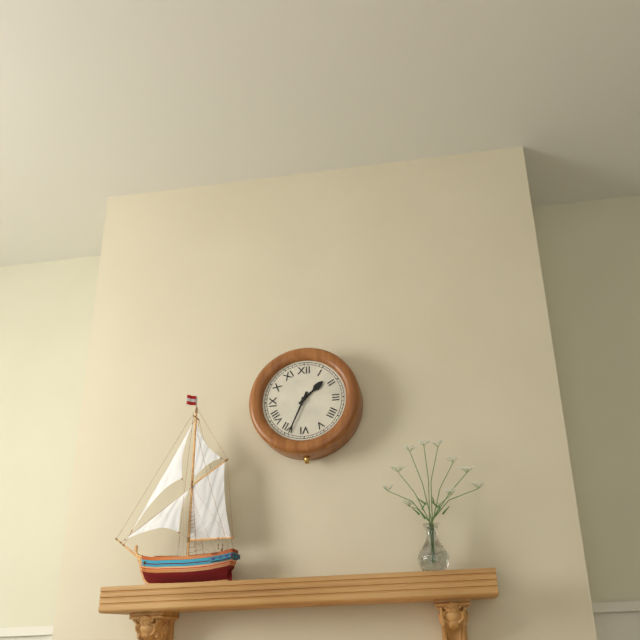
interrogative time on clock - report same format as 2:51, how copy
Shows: 1:34
